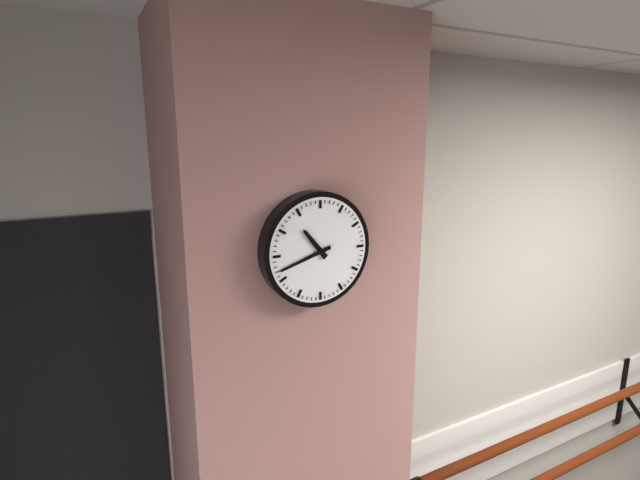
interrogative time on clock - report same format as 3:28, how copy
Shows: 10:42
